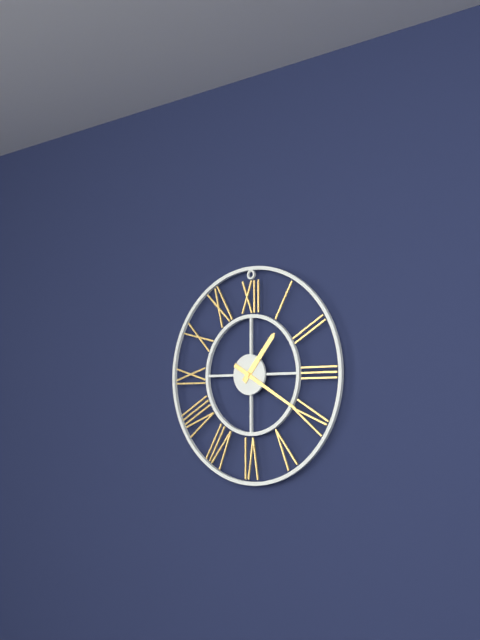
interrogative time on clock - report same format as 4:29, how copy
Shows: 1:20
